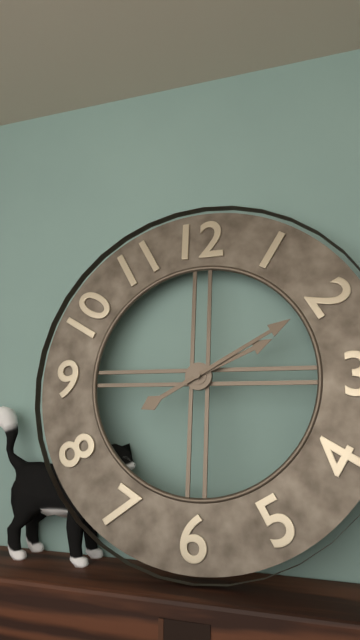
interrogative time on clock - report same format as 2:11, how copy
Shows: 2:10
